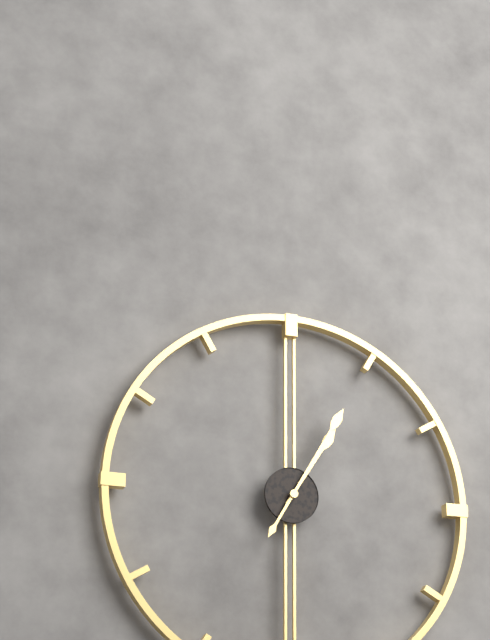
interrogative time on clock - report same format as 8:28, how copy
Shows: 1:05
